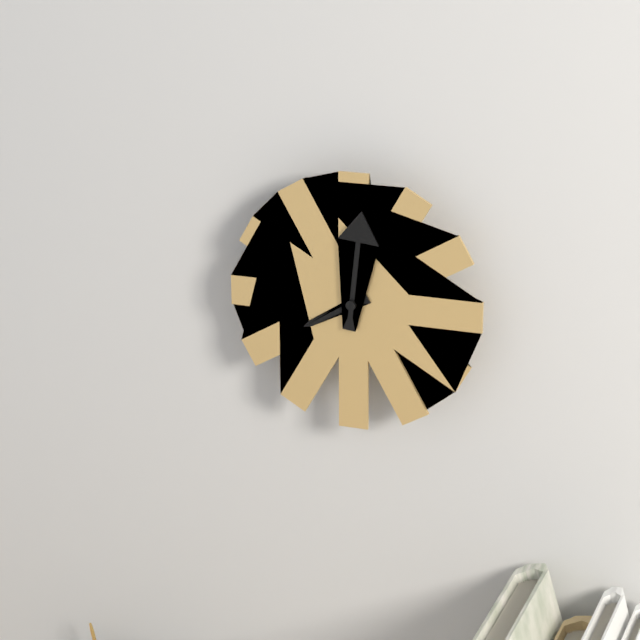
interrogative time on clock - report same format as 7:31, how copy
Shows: 8:01
